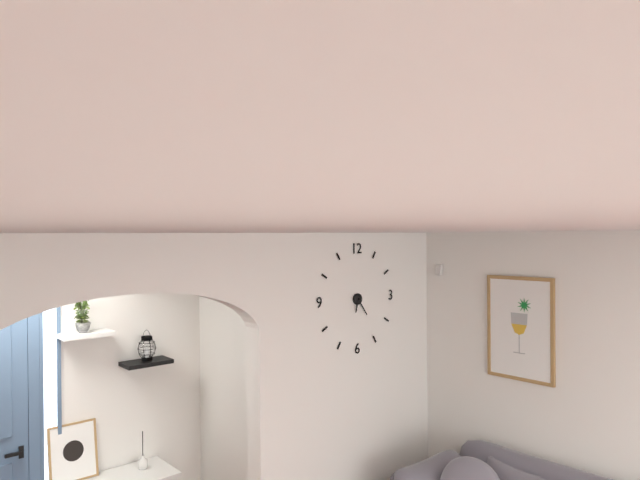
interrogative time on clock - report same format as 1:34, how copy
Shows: 6:24
